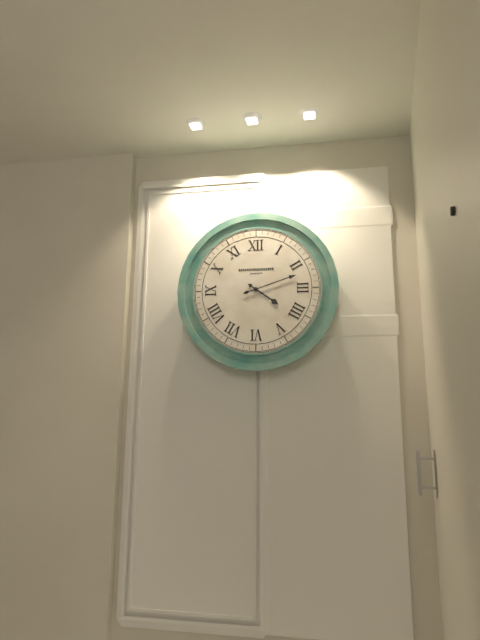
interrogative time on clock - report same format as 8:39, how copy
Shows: 4:12
